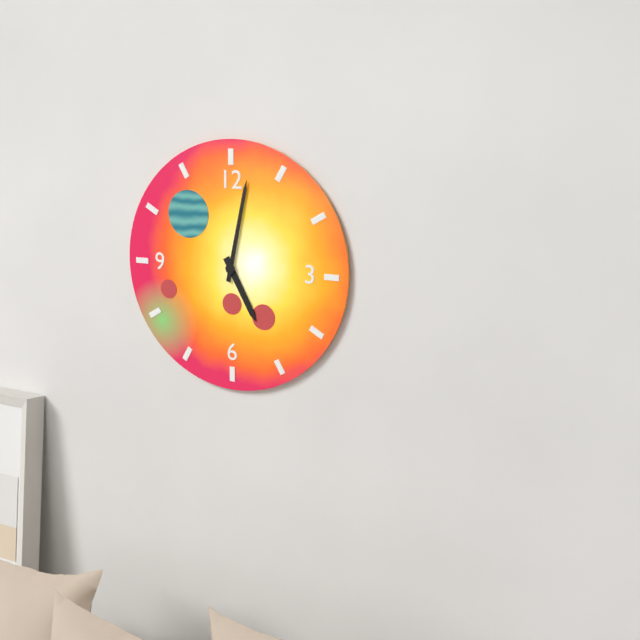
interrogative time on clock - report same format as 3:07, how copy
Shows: 5:02
